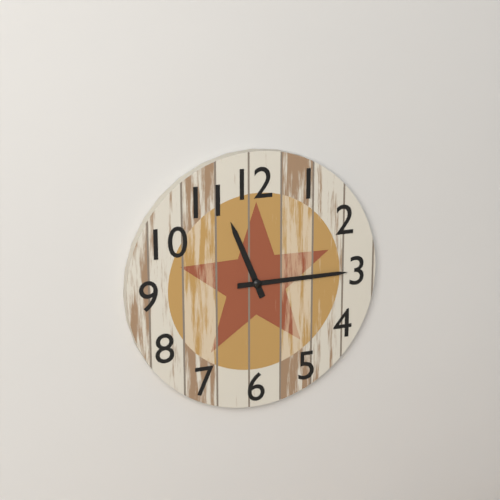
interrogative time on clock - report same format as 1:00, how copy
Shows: 11:15
